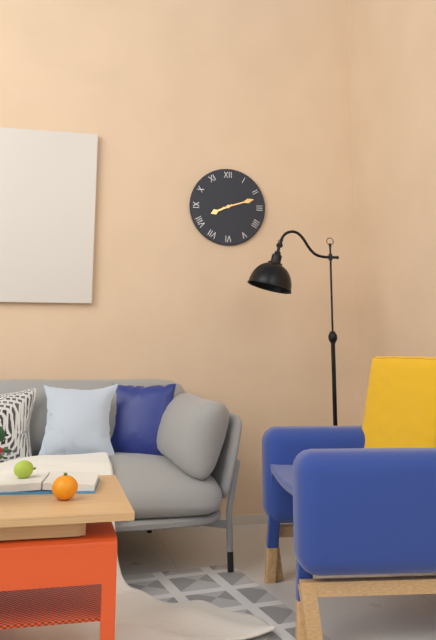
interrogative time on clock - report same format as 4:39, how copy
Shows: 8:12
